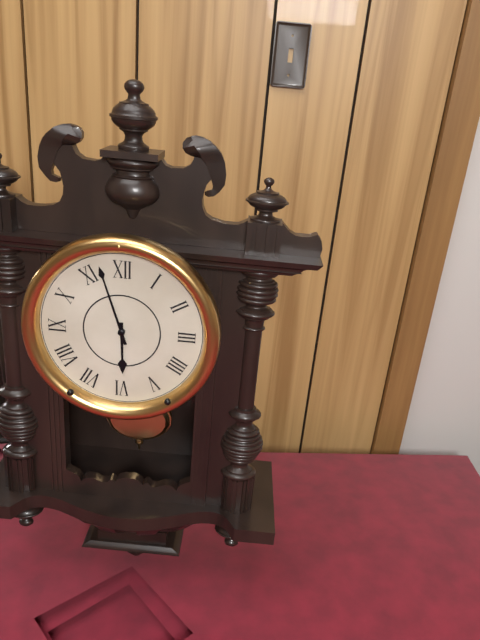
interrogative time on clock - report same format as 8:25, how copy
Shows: 5:57
